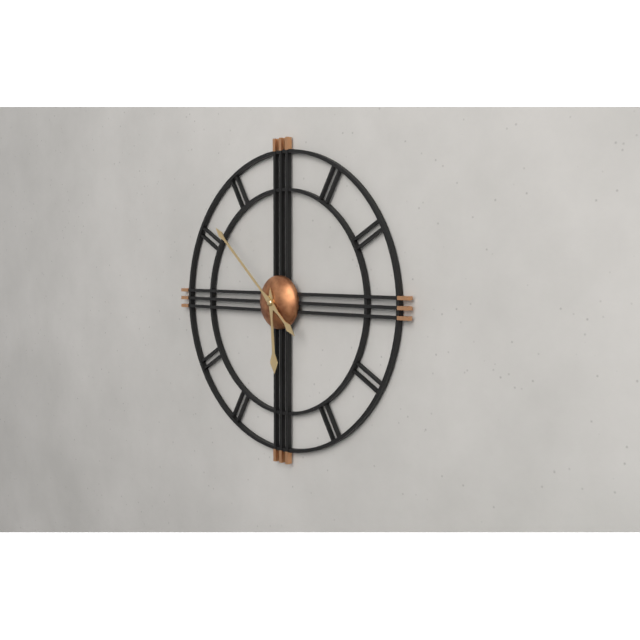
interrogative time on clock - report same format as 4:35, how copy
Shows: 5:52
